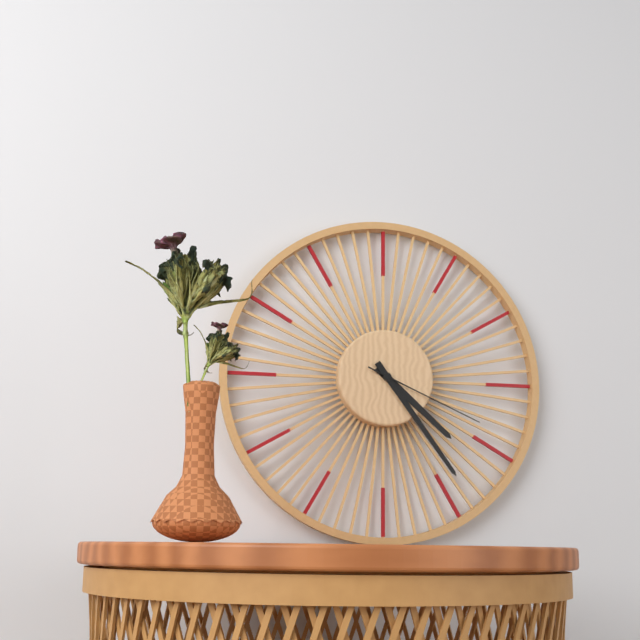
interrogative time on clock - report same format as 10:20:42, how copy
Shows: 4:24:19
